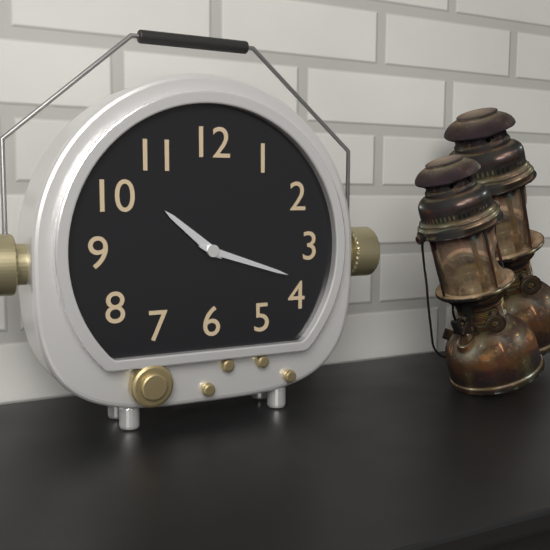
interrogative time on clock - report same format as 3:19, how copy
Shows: 10:18
